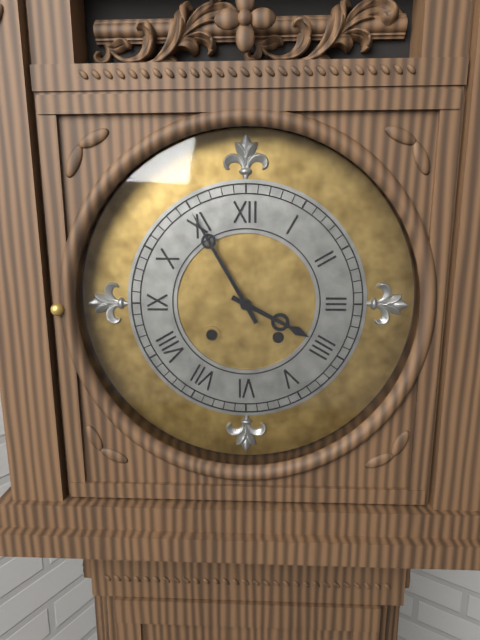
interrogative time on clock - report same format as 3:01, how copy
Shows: 3:55
